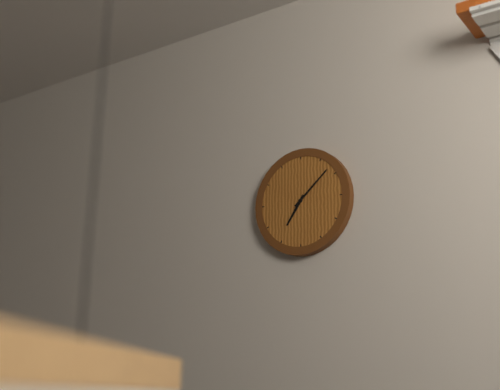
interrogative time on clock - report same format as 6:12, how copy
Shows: 7:08
